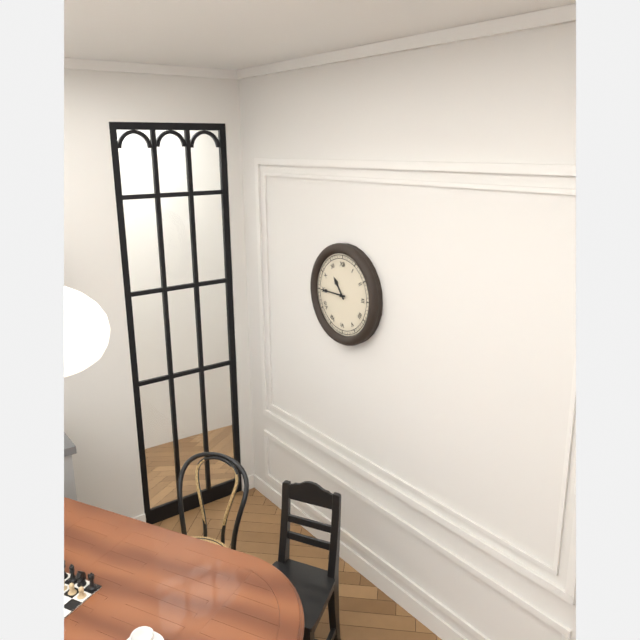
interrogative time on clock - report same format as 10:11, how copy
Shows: 10:45
